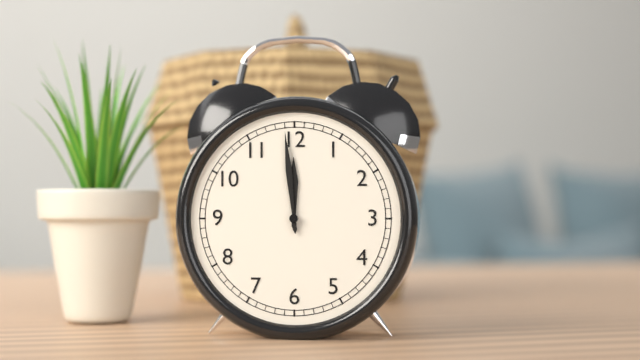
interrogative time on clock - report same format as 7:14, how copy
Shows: 11:59
